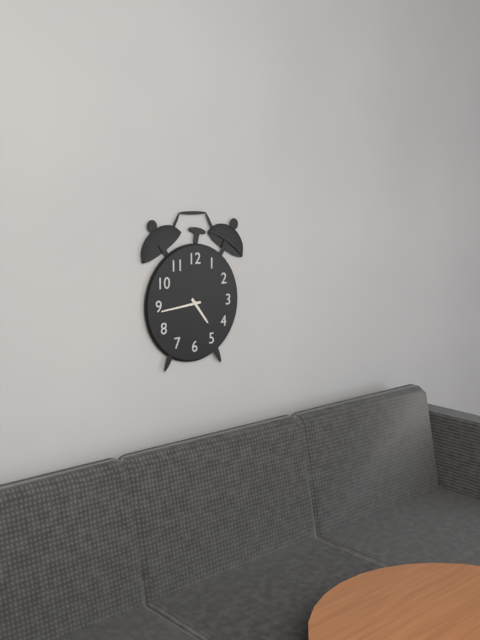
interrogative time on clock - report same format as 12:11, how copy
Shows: 4:44
